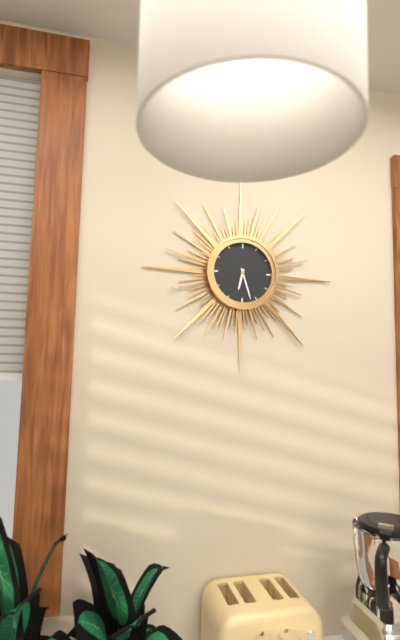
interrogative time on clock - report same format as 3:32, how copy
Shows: 6:27
